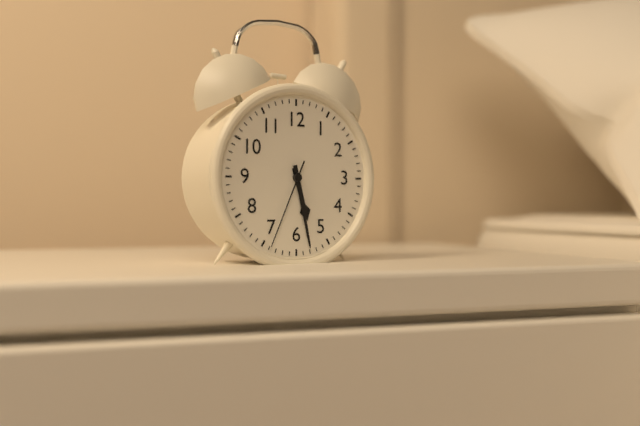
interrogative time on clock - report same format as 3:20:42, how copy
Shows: 5:28:34
